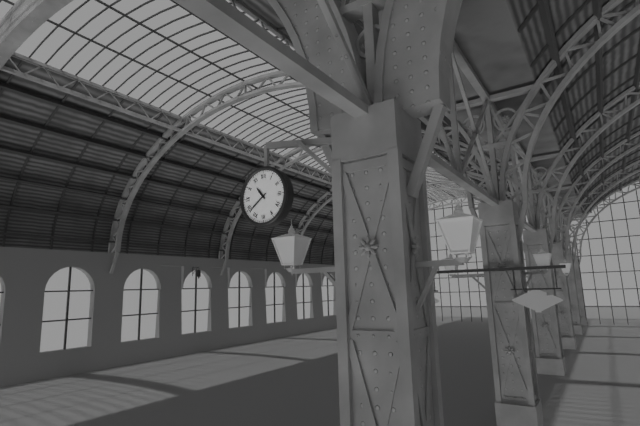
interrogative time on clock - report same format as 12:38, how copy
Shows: 10:39
